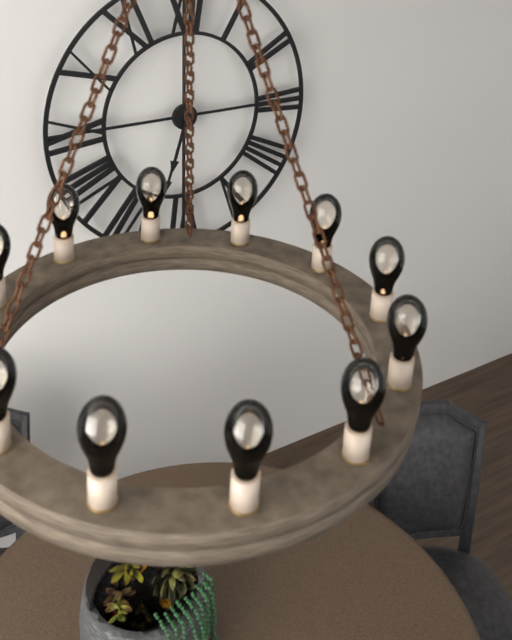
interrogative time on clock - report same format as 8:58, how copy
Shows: 6:33
